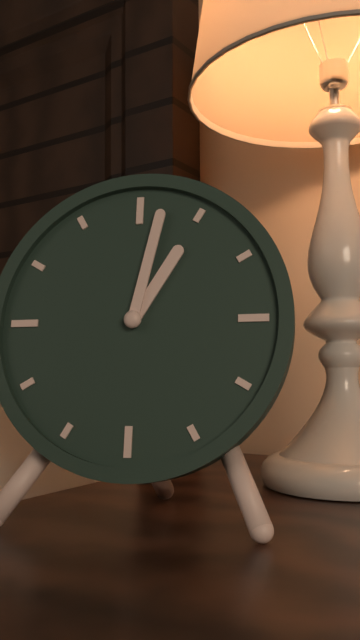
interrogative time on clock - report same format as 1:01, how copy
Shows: 1:02
